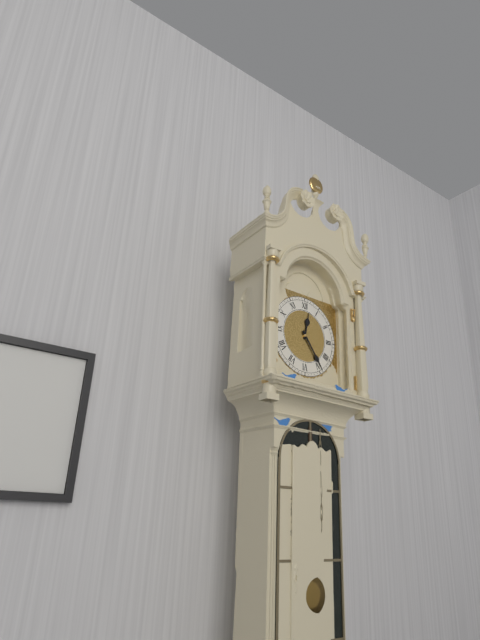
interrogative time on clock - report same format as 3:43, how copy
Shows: 12:24
